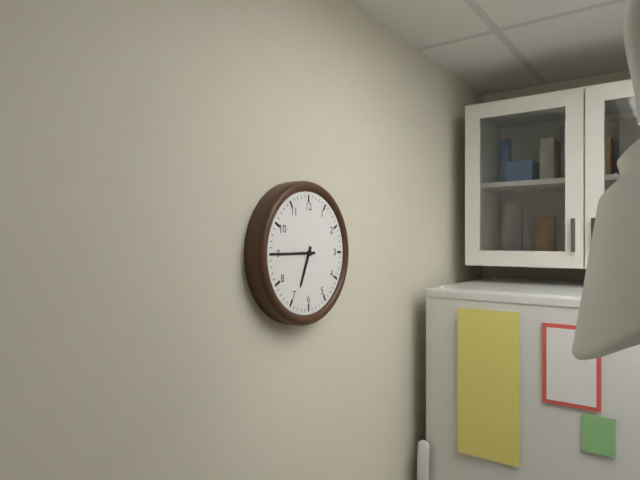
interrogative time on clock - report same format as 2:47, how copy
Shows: 6:45
